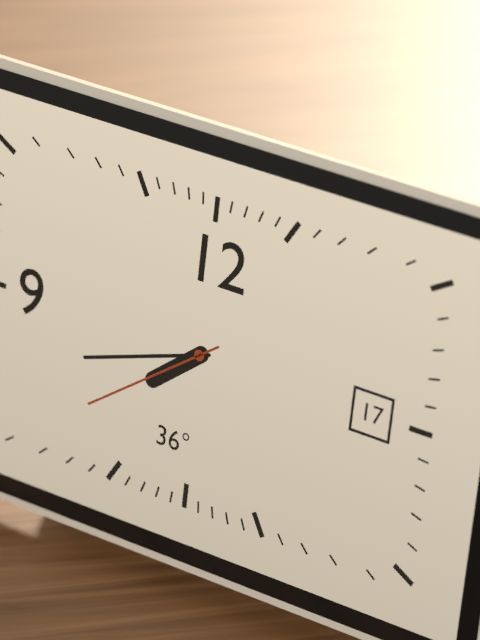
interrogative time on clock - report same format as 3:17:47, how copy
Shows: 7:42:39
